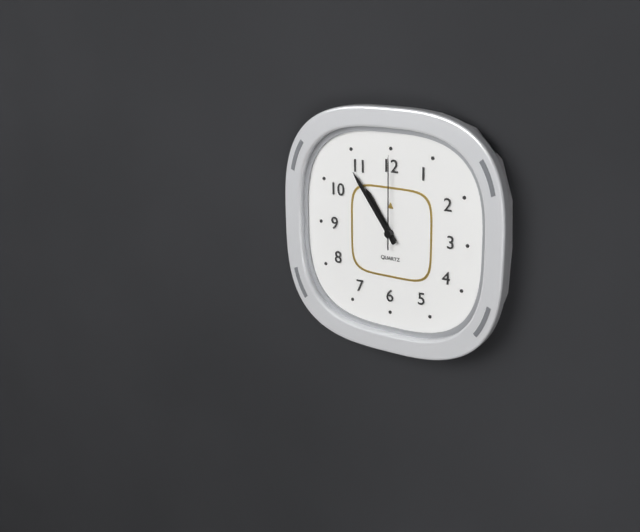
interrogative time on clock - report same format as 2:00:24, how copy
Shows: 10:54:00
